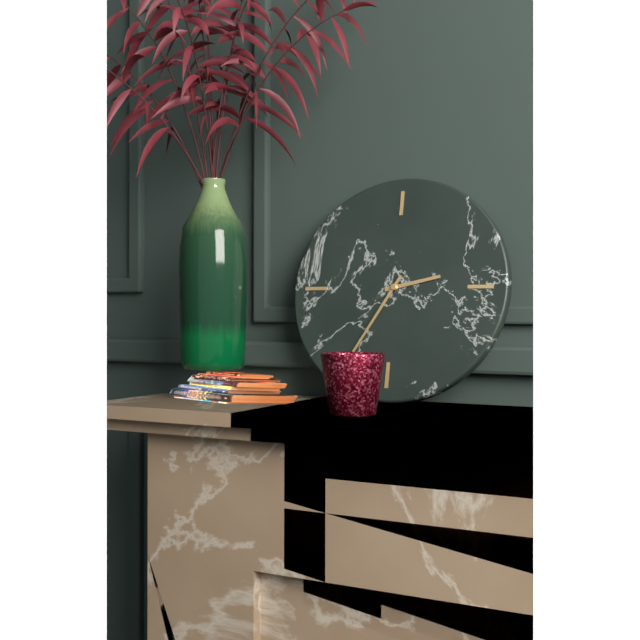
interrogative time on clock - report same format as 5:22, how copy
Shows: 2:35
